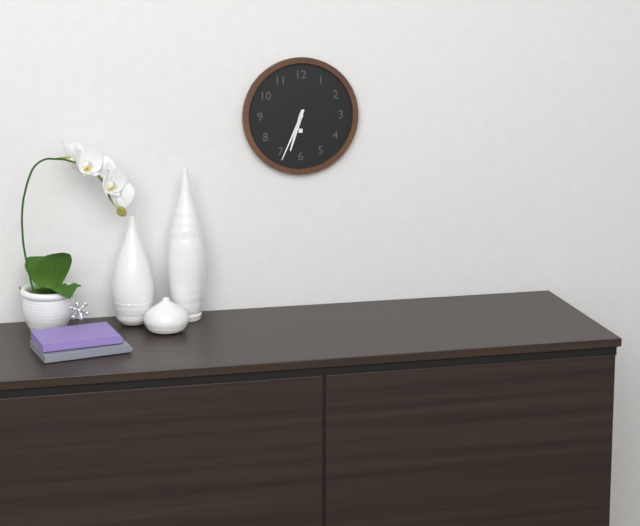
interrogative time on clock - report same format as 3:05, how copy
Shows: 6:34
